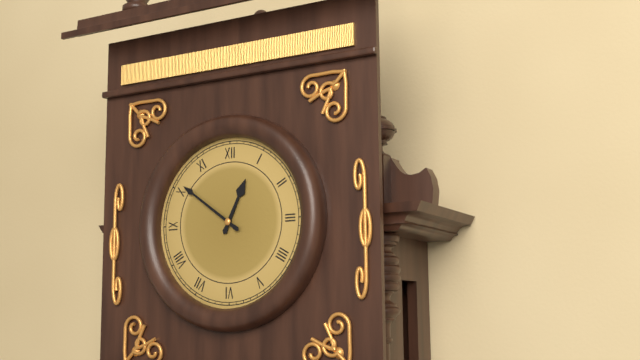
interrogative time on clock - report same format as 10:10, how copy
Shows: 12:51
